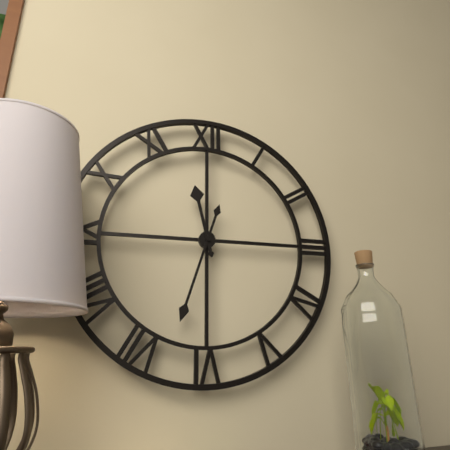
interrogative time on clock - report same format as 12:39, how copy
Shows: 11:33
